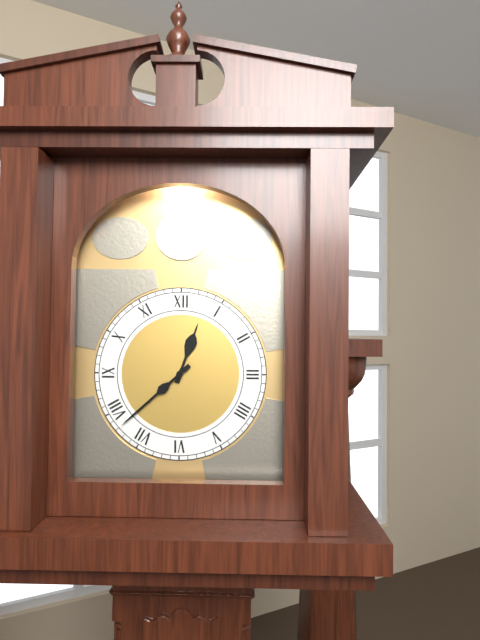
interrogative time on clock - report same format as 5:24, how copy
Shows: 12:38
